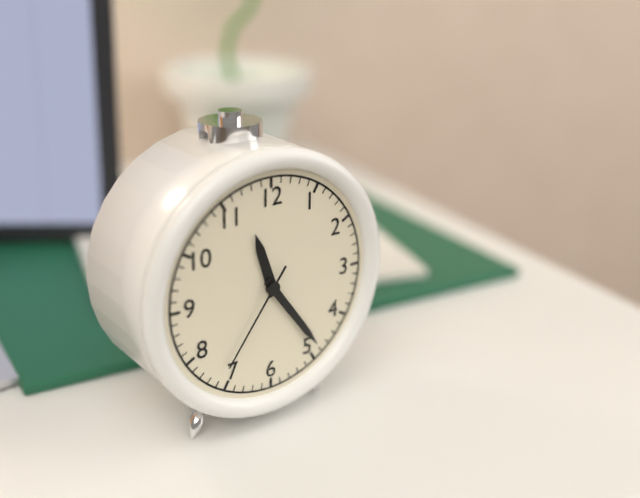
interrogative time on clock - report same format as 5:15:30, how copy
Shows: 11:24:36
